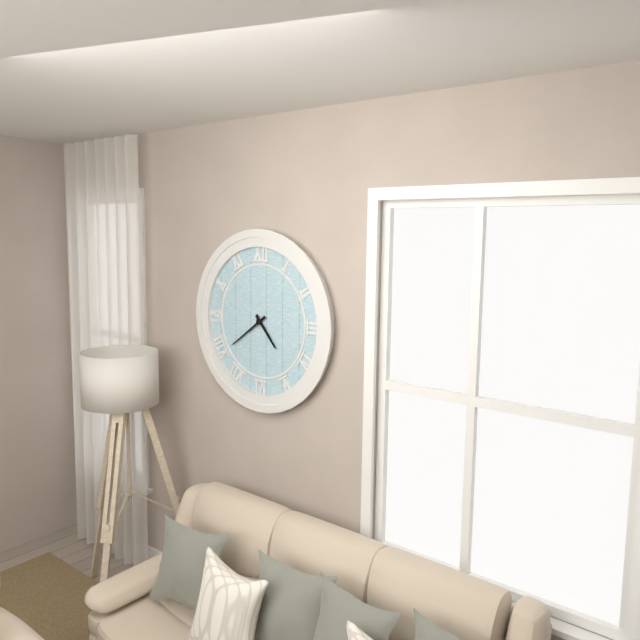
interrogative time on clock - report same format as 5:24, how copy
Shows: 4:39
